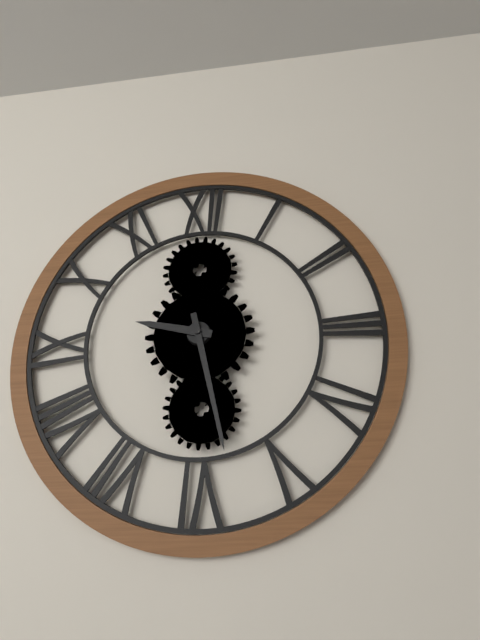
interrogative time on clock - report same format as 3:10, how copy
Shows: 9:28
